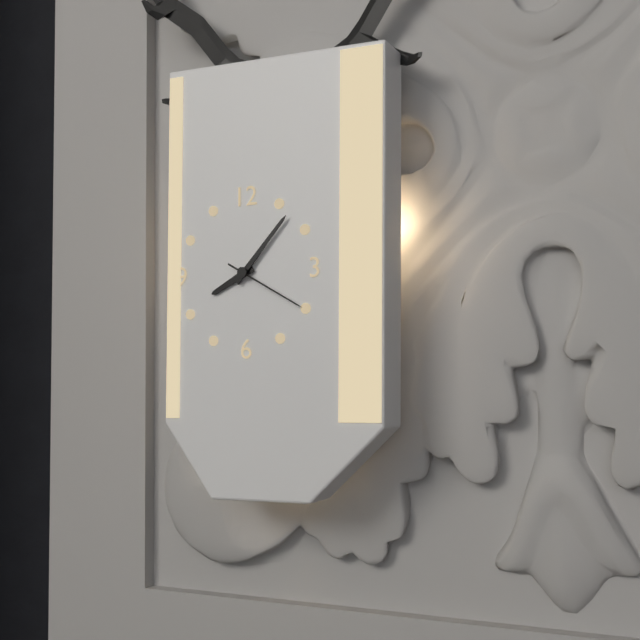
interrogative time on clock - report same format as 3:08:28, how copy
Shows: 8:07:20
